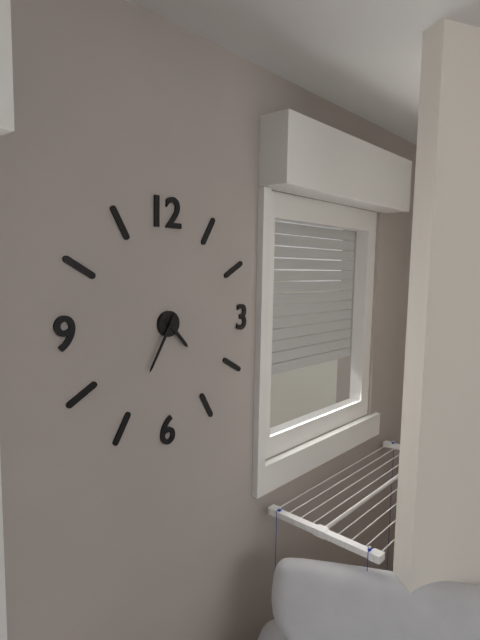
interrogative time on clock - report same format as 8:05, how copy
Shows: 4:35
